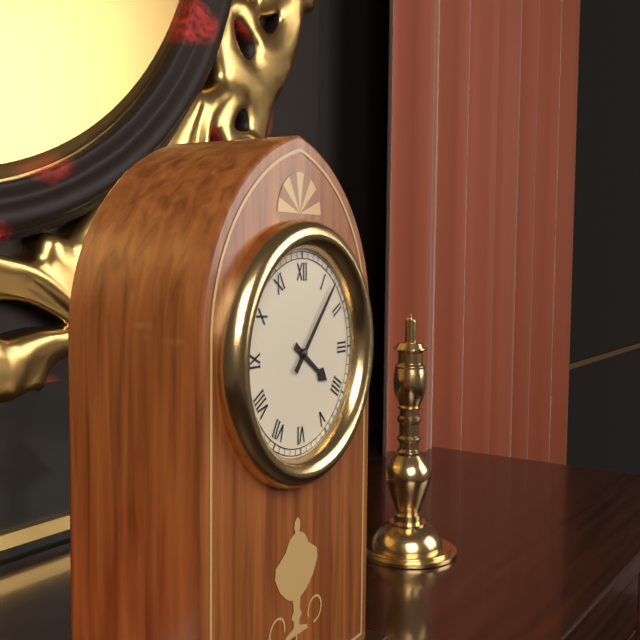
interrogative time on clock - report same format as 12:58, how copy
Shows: 4:07
